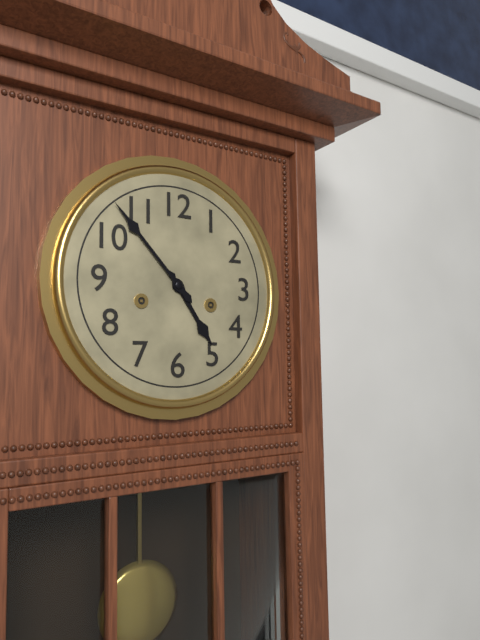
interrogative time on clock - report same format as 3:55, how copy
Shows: 4:53
